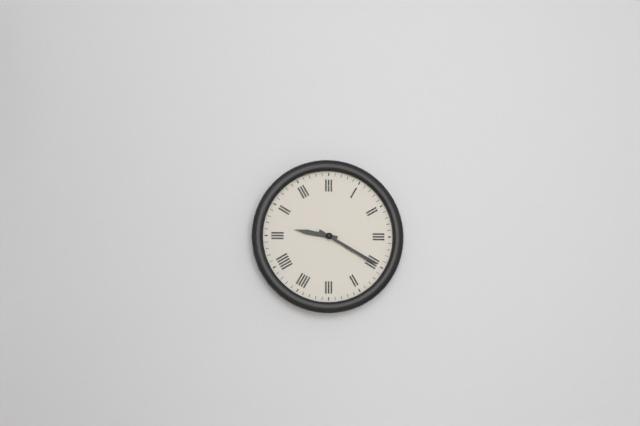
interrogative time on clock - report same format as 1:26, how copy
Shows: 9:20
